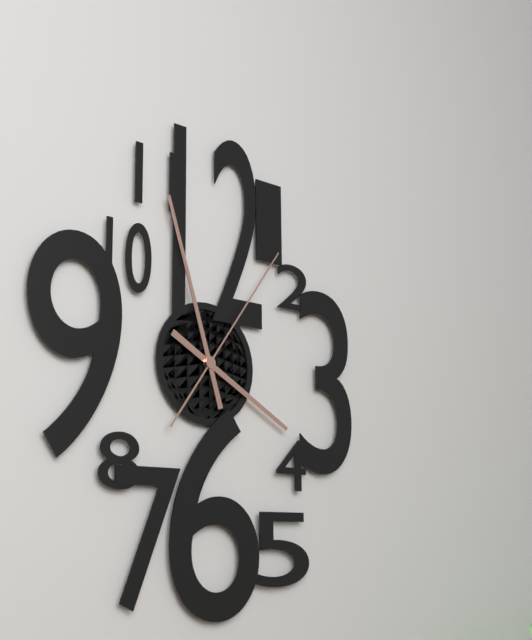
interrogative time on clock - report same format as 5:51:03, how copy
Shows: 3:57:06
